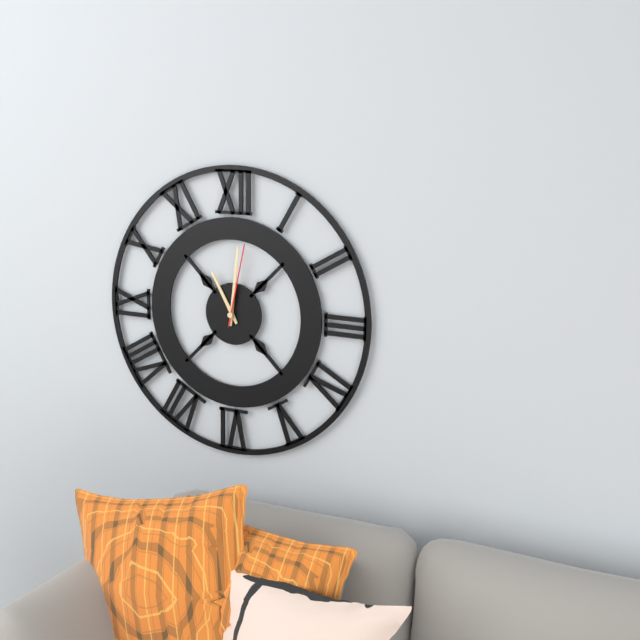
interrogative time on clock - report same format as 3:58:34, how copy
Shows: 11:01:02
